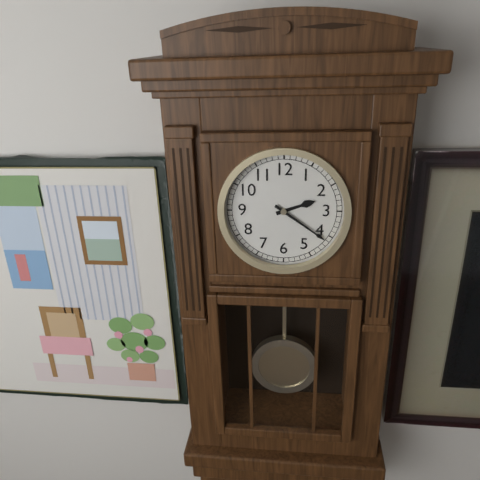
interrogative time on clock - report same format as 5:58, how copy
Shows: 2:21
